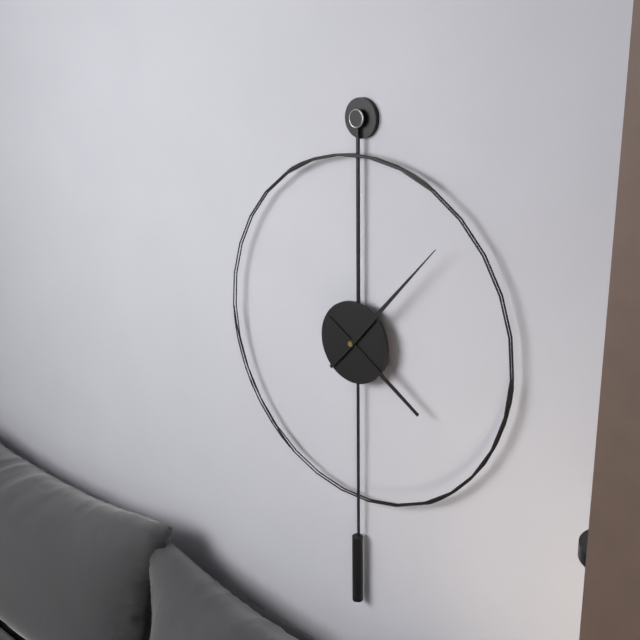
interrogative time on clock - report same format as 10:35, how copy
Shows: 4:07
